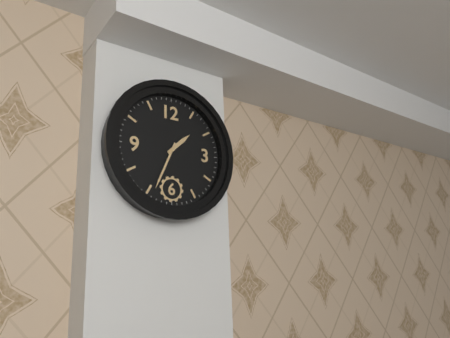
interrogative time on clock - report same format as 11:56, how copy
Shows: 1:34
